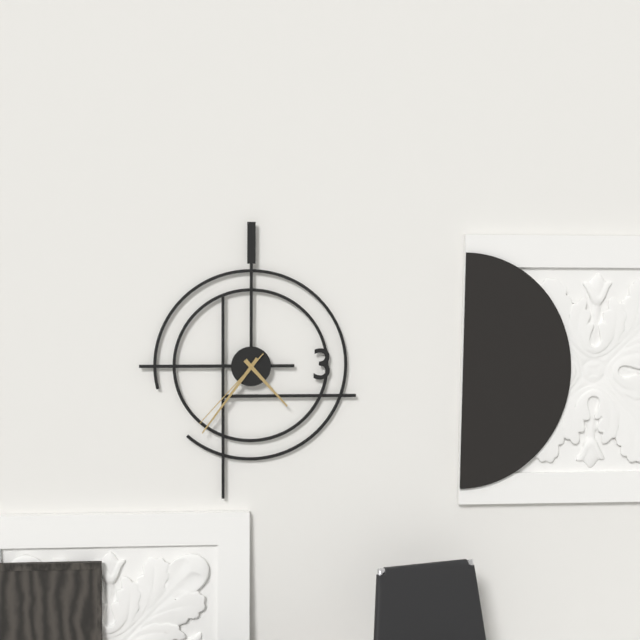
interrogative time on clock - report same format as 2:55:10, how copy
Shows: 4:36:37
